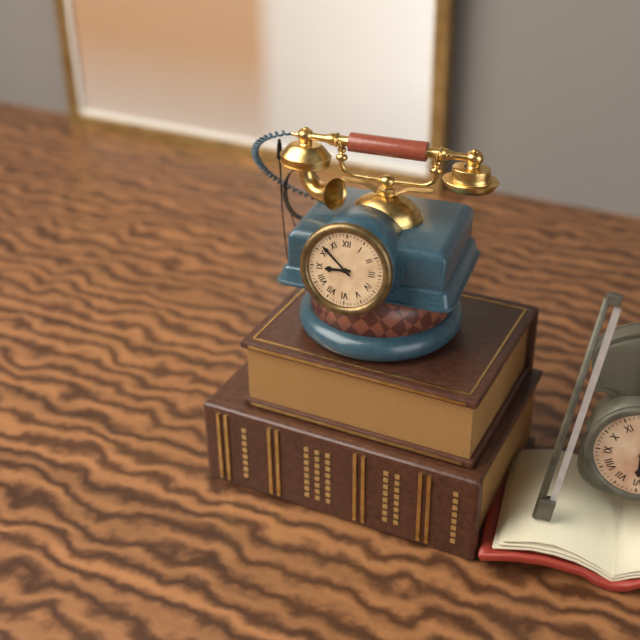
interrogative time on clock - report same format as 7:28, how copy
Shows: 8:52
